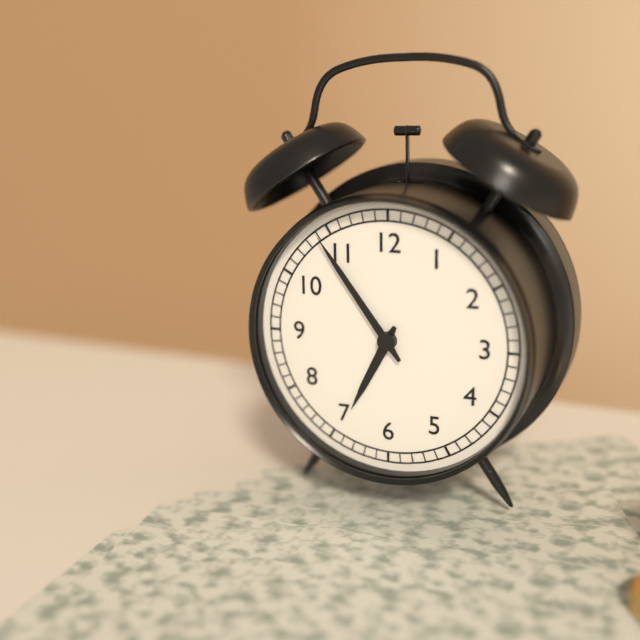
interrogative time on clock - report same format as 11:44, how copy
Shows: 6:54
